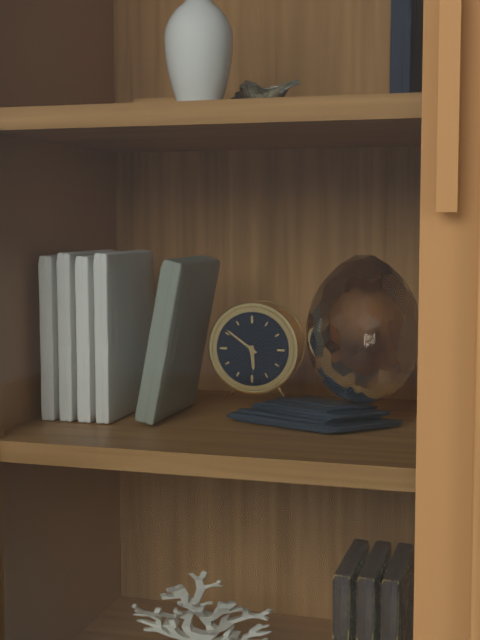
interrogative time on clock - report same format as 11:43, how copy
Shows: 5:51
